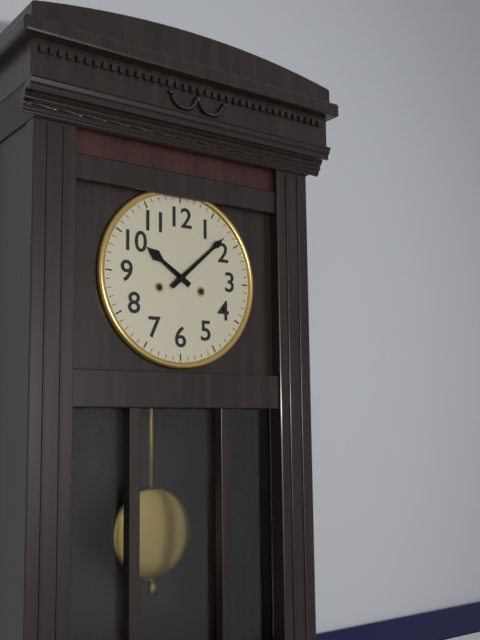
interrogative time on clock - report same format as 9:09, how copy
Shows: 10:08
